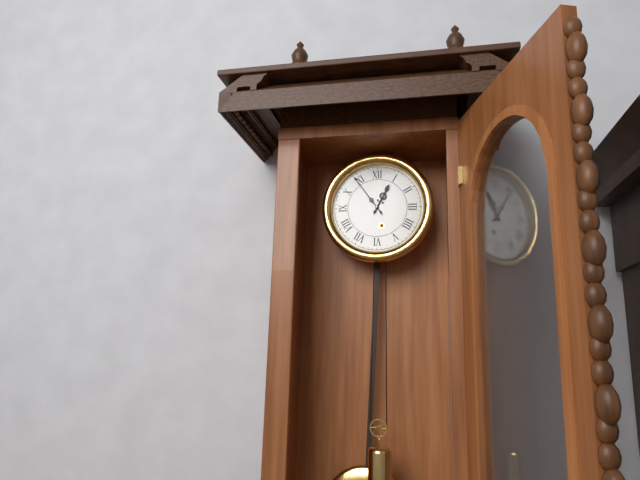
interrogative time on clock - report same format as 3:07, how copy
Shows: 12:54
